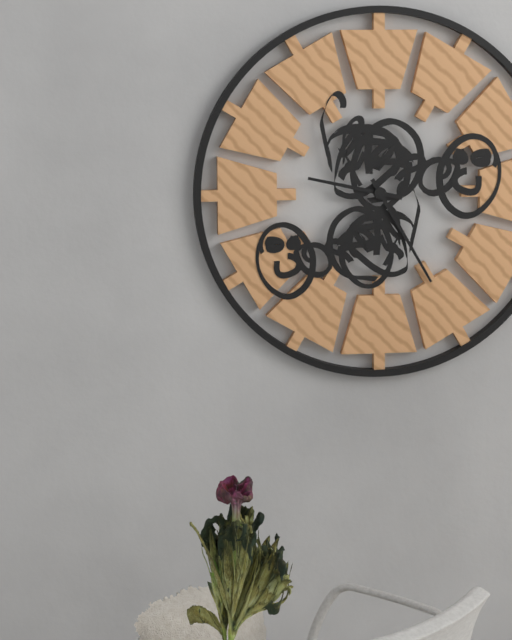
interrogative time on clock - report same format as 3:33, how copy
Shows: 9:25
